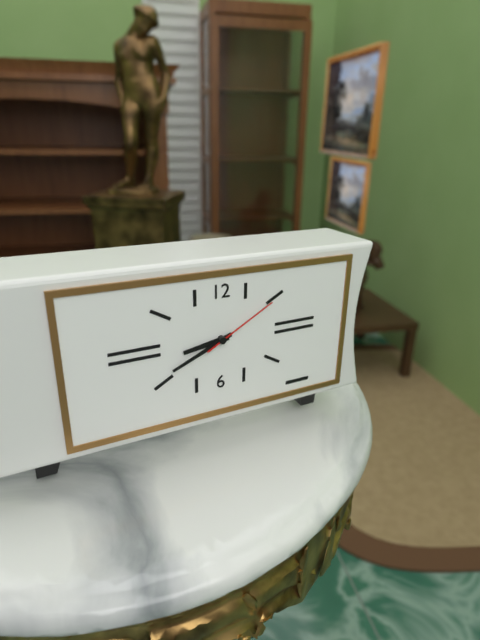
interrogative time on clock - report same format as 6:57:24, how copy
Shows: 8:41:10
